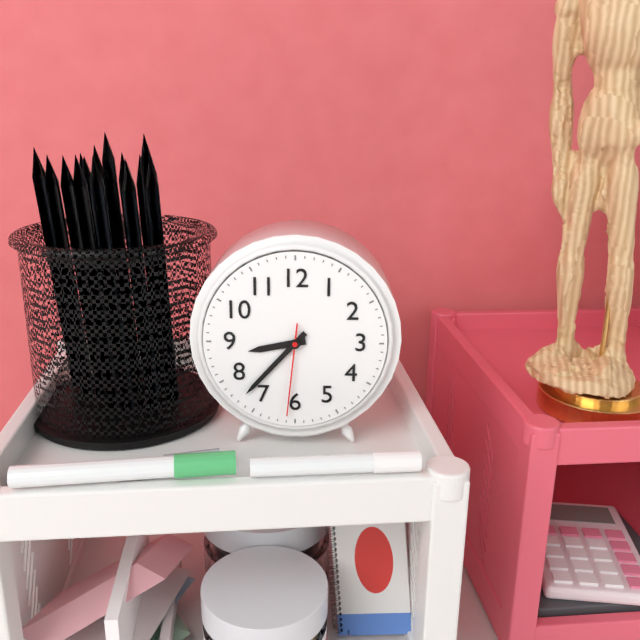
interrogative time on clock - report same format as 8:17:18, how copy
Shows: 8:37:31
